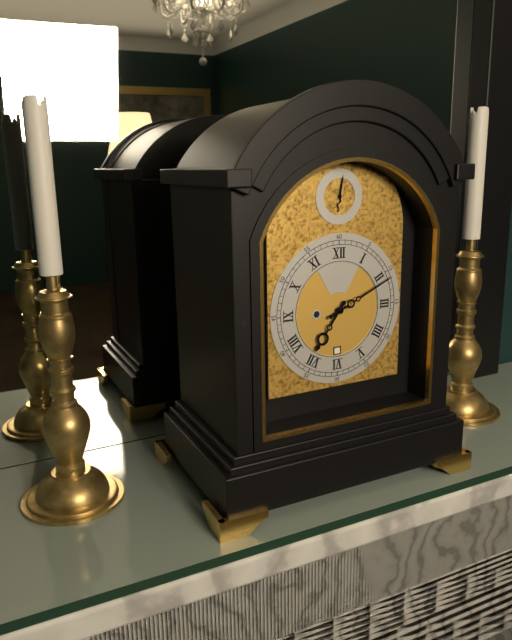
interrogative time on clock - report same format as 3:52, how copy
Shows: 7:11
